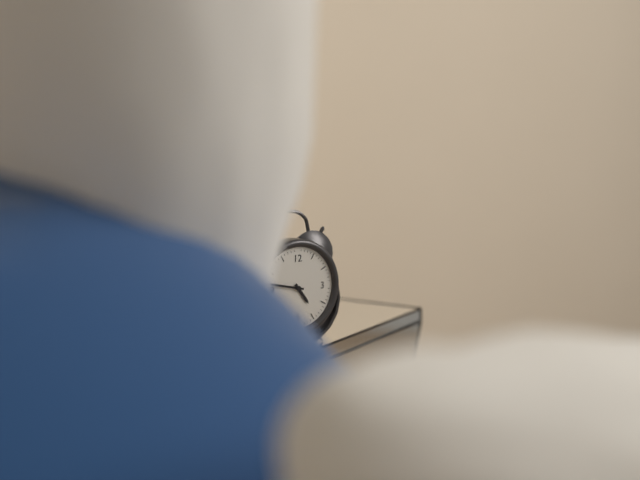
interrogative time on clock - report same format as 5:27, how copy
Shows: 4:47
